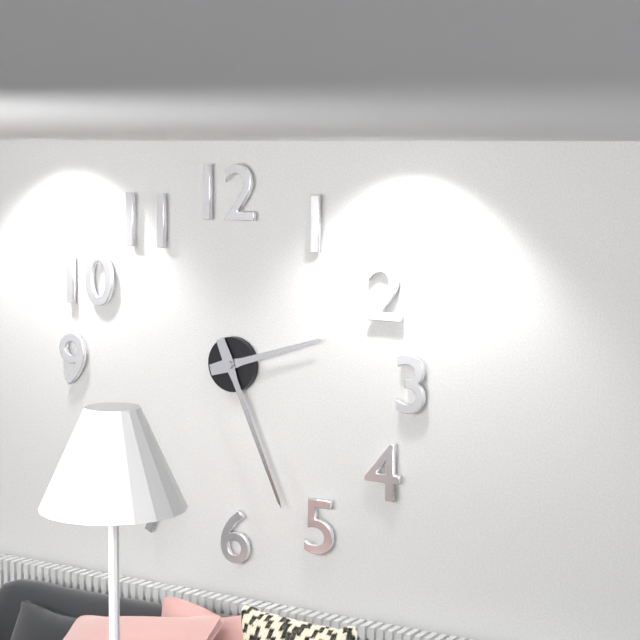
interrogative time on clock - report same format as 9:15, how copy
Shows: 2:26
